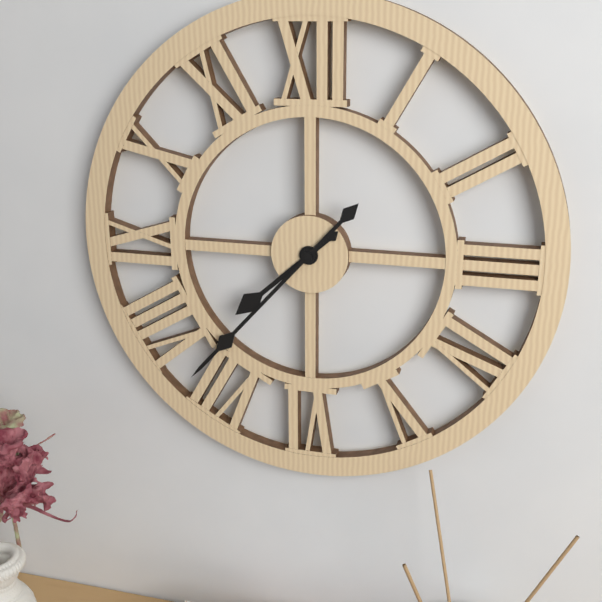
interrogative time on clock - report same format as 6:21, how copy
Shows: 7:37
